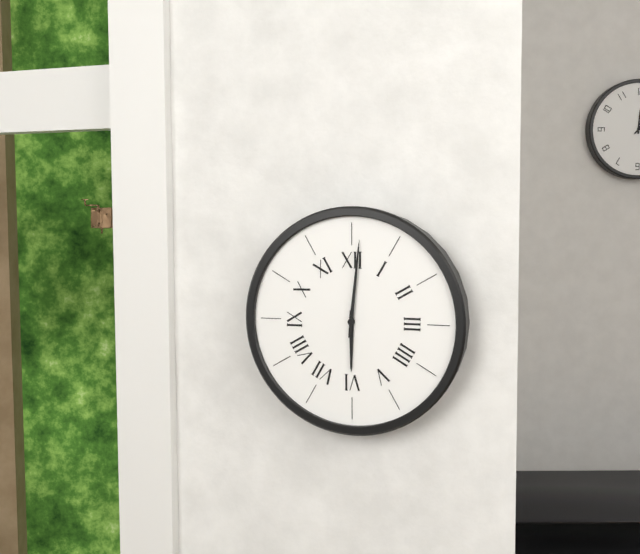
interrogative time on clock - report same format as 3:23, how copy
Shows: 6:01
